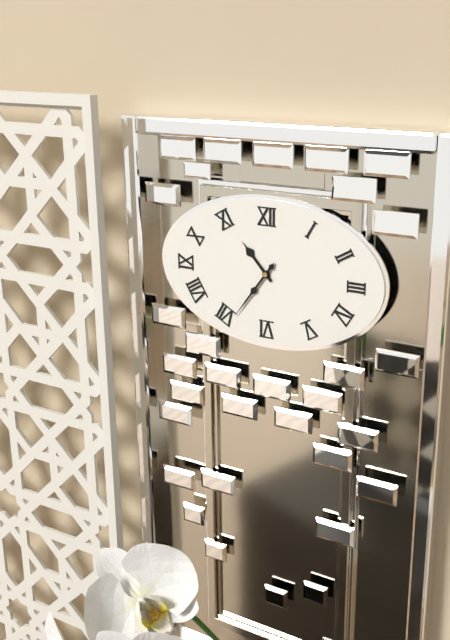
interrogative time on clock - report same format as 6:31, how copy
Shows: 10:36
